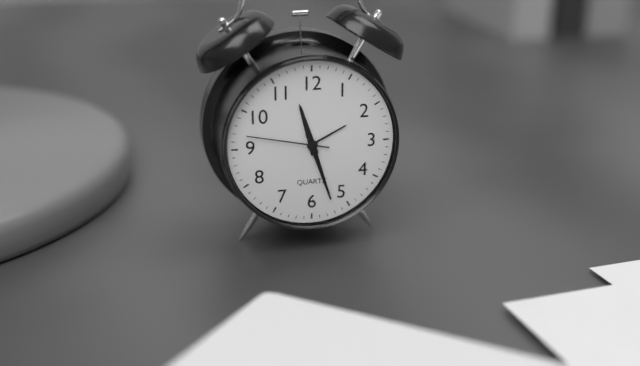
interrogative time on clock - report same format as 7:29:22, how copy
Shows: 11:27:47
